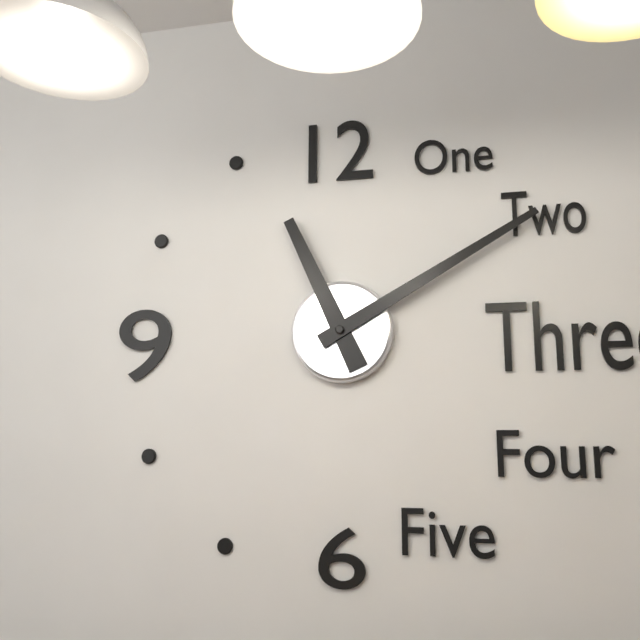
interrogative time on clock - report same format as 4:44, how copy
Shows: 11:10
